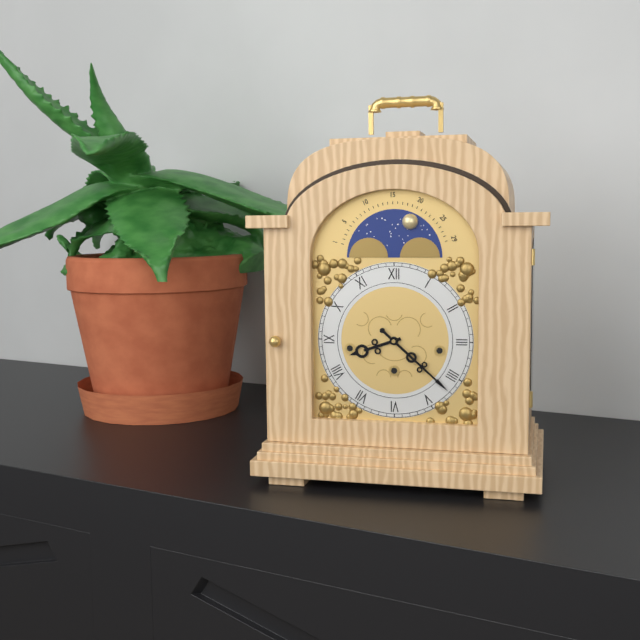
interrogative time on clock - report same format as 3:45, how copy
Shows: 8:22
